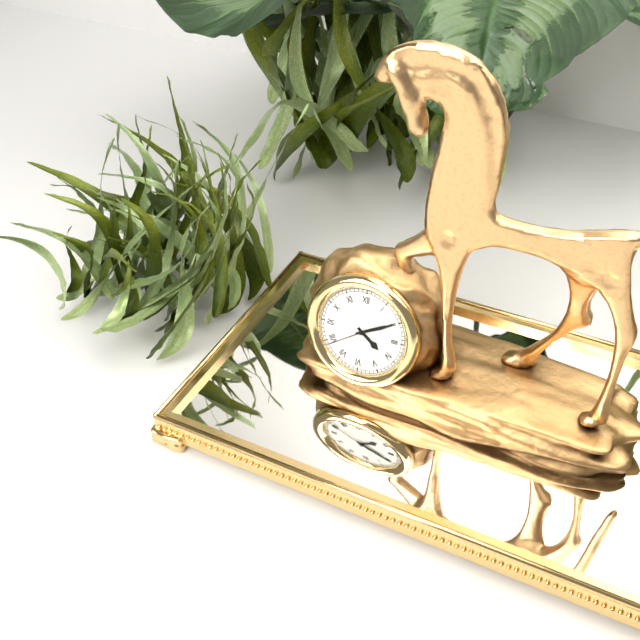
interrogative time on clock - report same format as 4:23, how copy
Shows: 4:10
